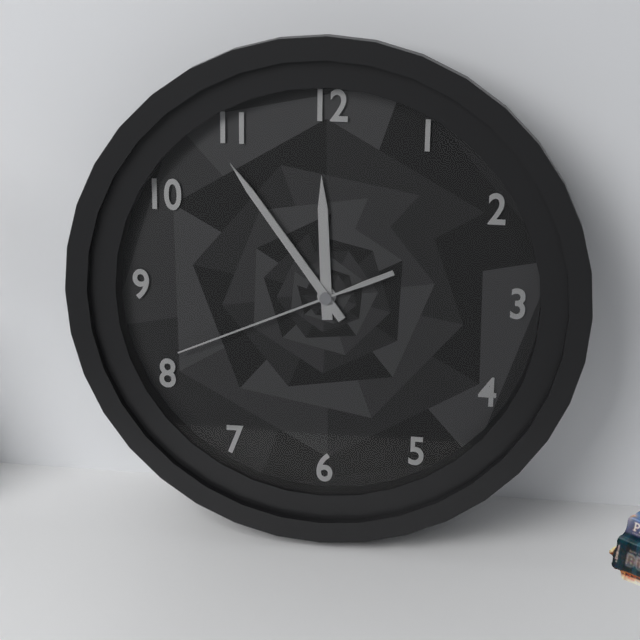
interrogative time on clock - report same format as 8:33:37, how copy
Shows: 11:54:41
